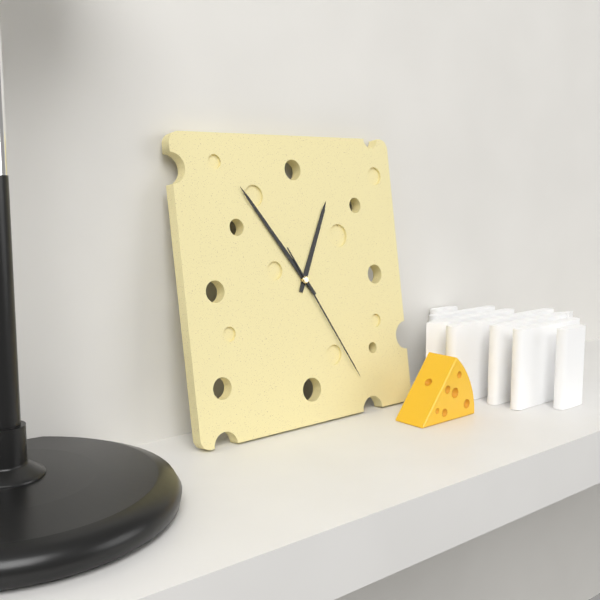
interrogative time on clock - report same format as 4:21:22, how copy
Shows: 12:54:25
